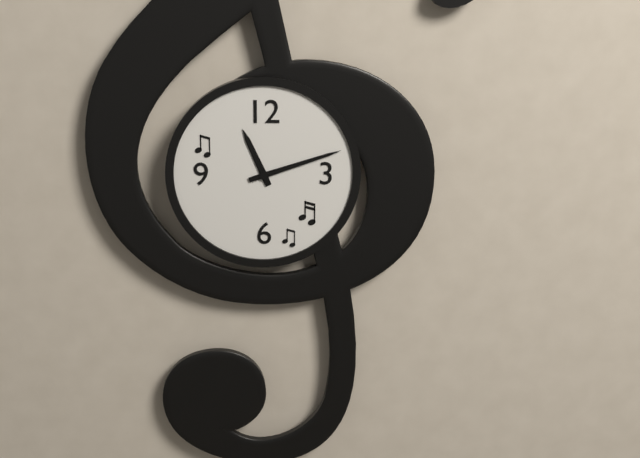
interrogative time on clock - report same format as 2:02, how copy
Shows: 11:12
